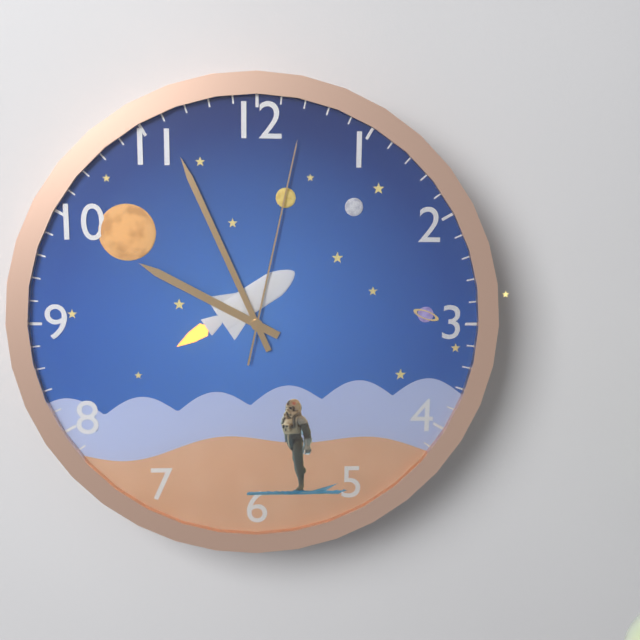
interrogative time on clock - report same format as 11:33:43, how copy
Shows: 9:56:02
